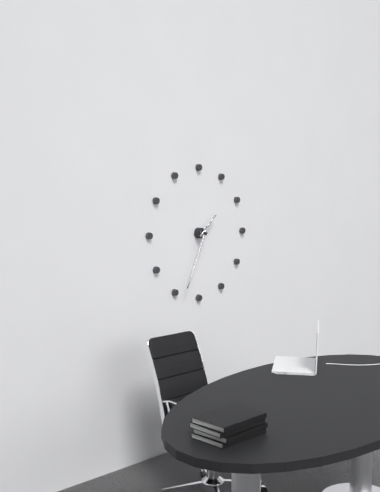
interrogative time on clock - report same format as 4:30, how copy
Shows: 1:34
